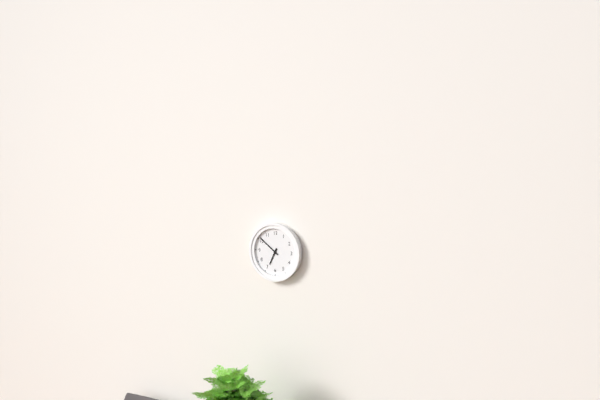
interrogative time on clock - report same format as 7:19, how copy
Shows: 6:51
